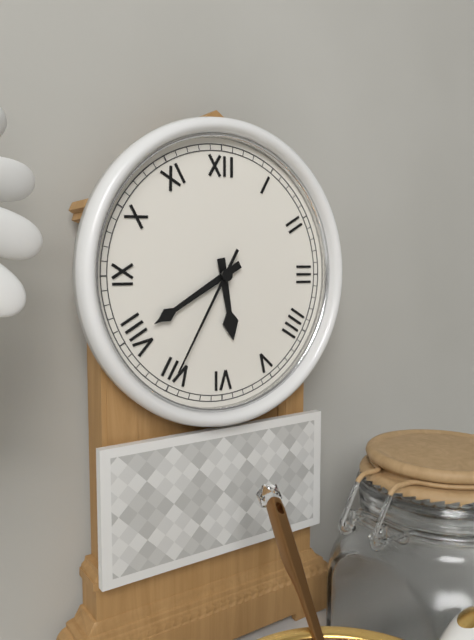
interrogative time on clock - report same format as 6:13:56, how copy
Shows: 5:40:35
